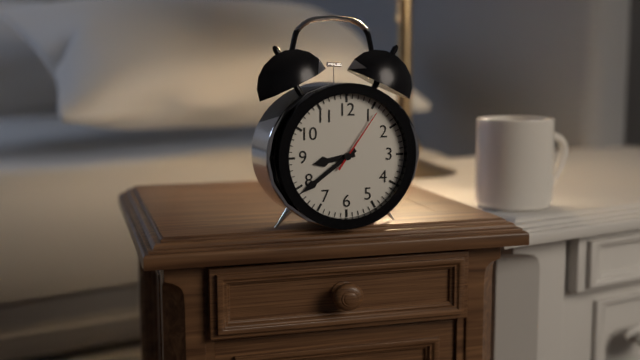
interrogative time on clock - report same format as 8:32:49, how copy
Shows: 8:39:06
